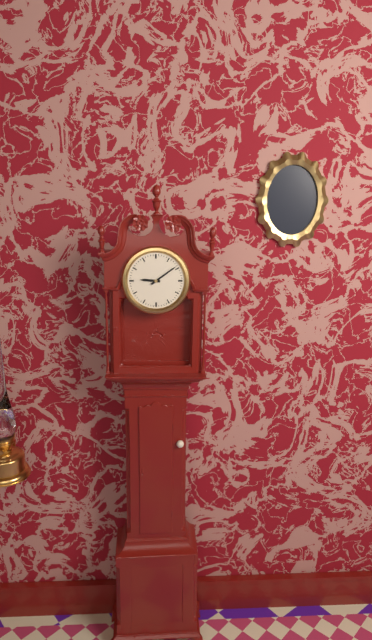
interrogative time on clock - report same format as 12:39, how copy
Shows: 9:09
